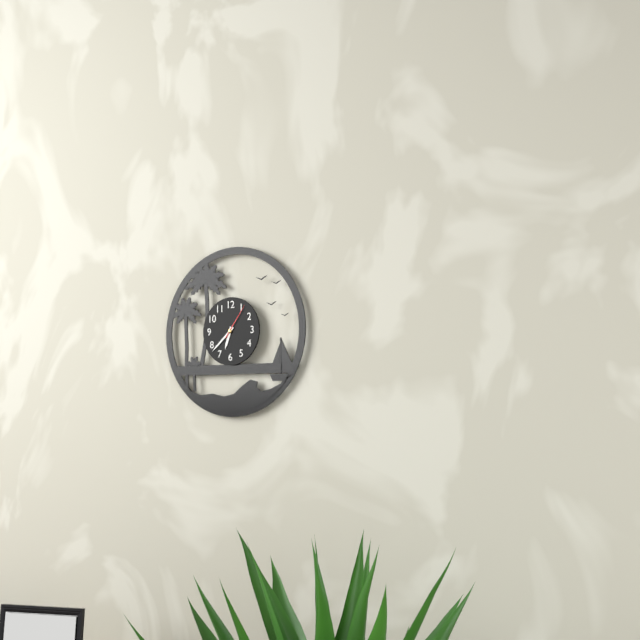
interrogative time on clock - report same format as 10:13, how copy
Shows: 6:38
